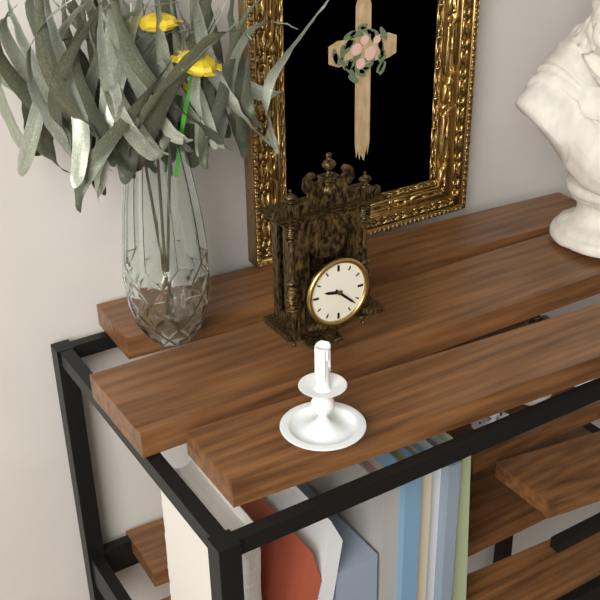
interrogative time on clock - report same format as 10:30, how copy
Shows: 9:22
